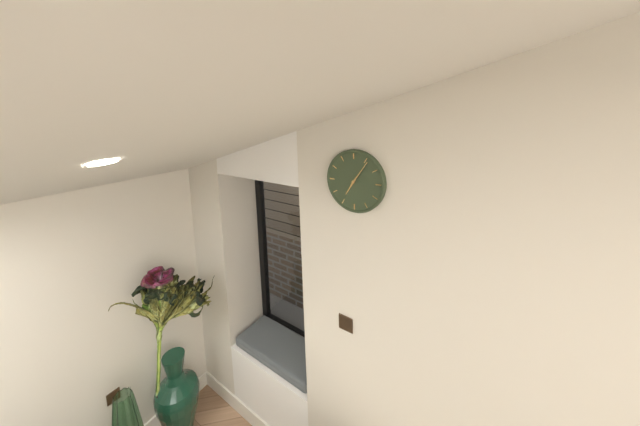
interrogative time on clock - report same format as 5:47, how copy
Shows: 7:06
